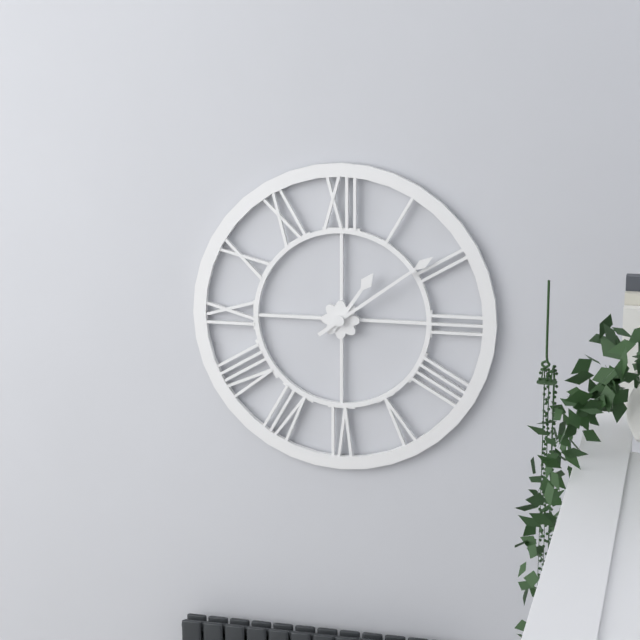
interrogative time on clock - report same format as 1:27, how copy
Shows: 1:09
